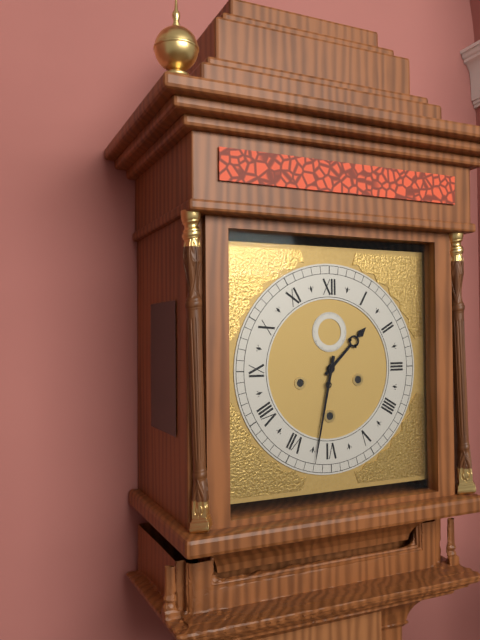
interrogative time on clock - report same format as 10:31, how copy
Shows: 1:32
